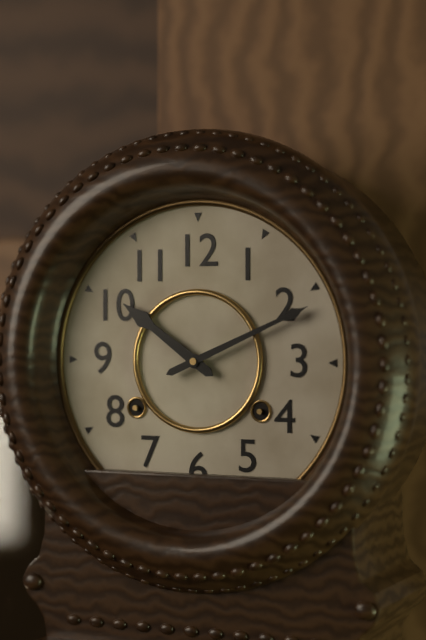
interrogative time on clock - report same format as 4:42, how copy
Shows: 10:11
